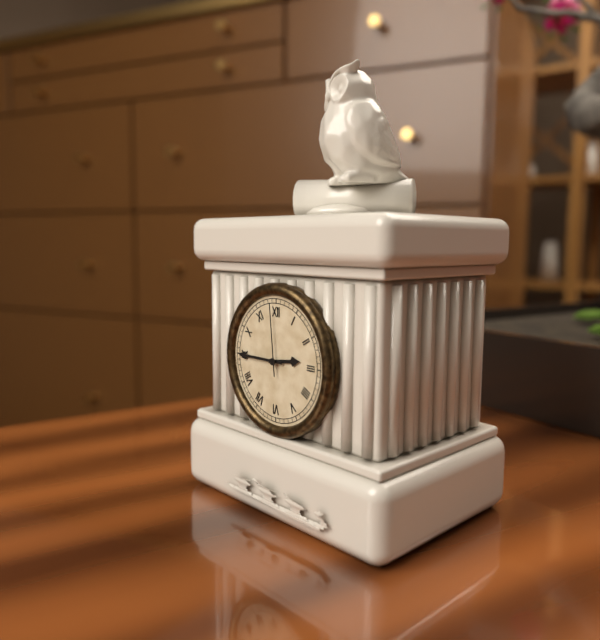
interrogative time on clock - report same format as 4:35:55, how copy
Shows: 2:45:59
